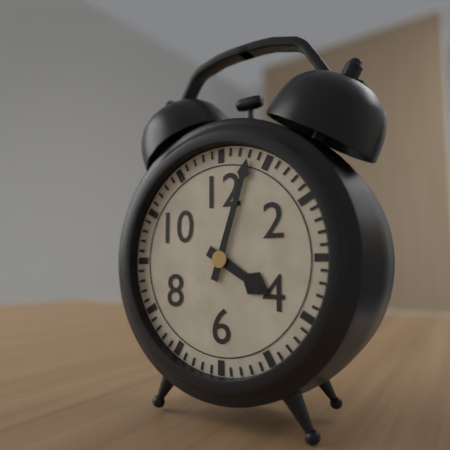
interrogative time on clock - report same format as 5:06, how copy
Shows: 4:03
